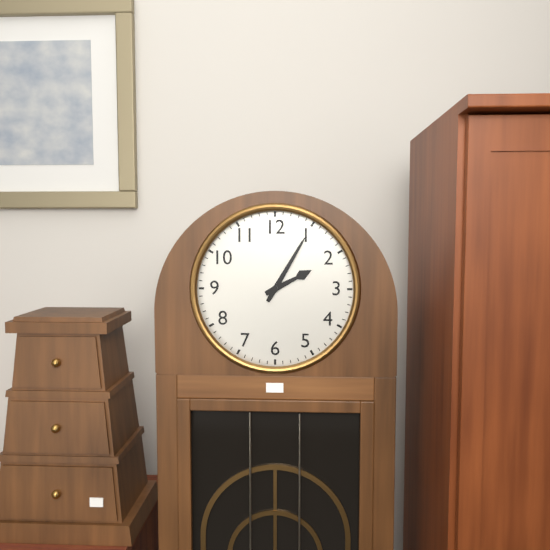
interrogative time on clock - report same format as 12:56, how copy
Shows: 2:05
